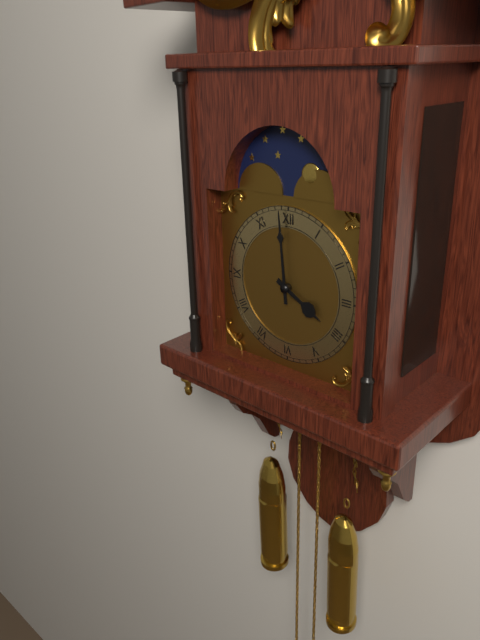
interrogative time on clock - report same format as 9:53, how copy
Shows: 3:59
